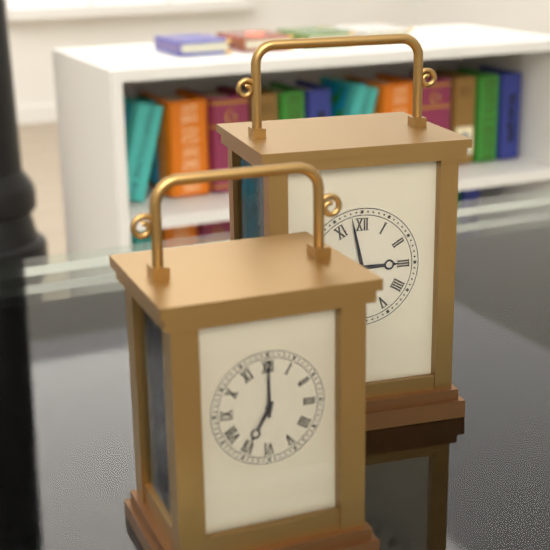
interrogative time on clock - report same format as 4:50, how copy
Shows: 2:58
